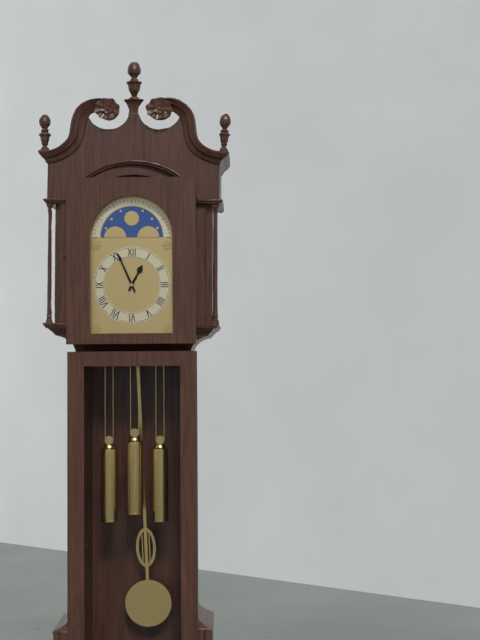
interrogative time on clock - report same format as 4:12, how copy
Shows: 12:56
